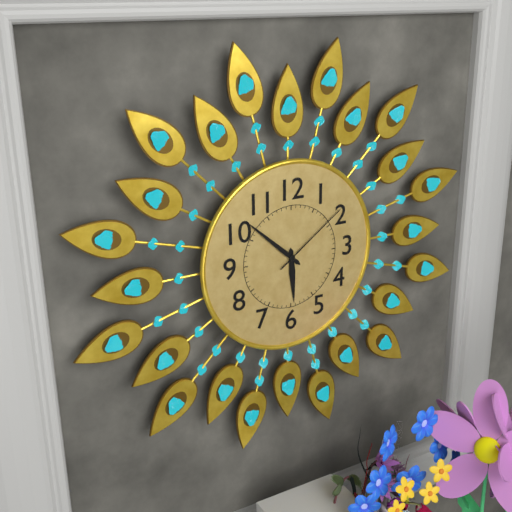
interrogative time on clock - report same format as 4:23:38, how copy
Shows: 5:52:09
